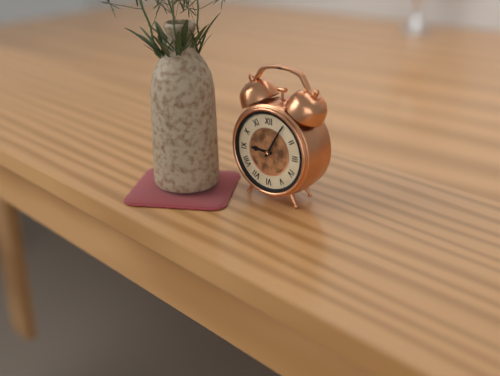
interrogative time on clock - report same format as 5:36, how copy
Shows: 9:05
